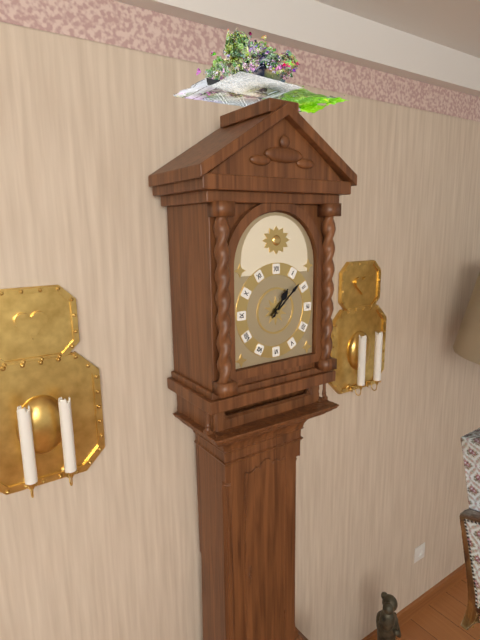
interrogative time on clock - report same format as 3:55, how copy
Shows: 1:08
